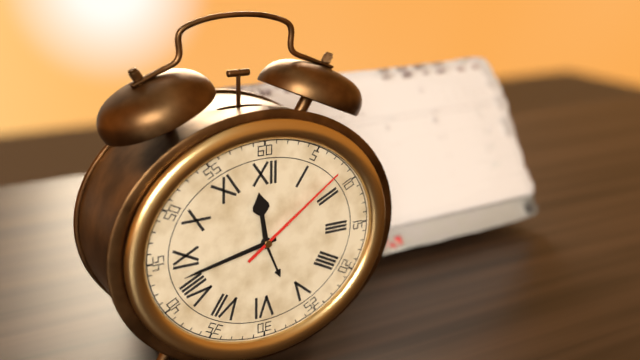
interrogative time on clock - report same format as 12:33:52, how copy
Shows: 11:43:09
